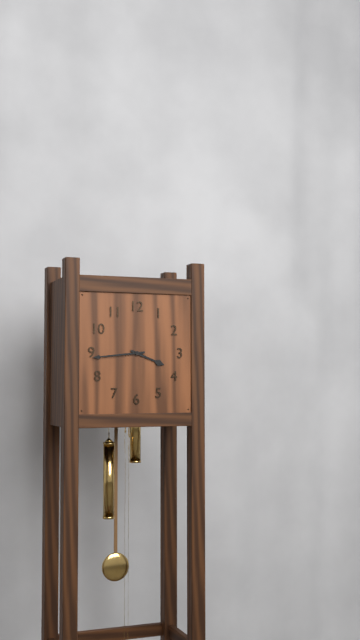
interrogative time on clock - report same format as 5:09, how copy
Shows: 3:44
